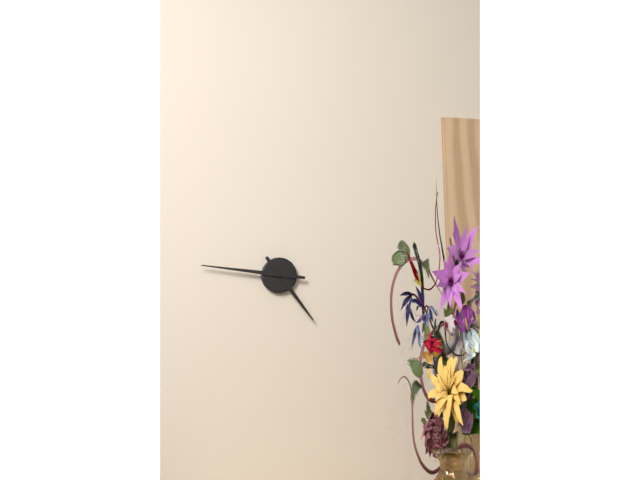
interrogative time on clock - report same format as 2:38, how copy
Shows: 4:46
